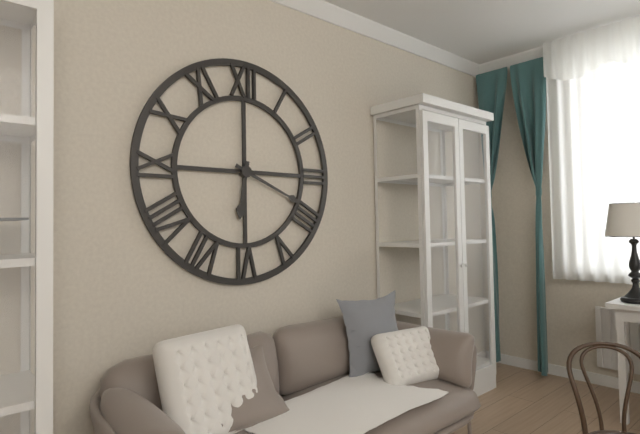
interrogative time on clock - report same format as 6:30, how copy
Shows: 6:19
